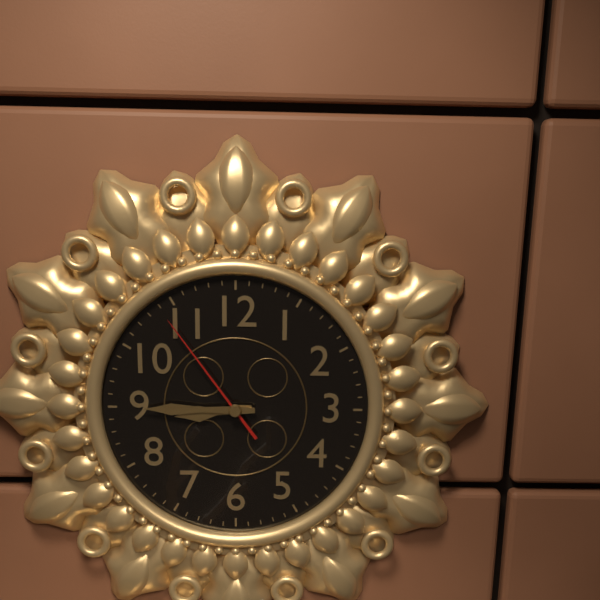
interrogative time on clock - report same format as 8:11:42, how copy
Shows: 8:45:54
